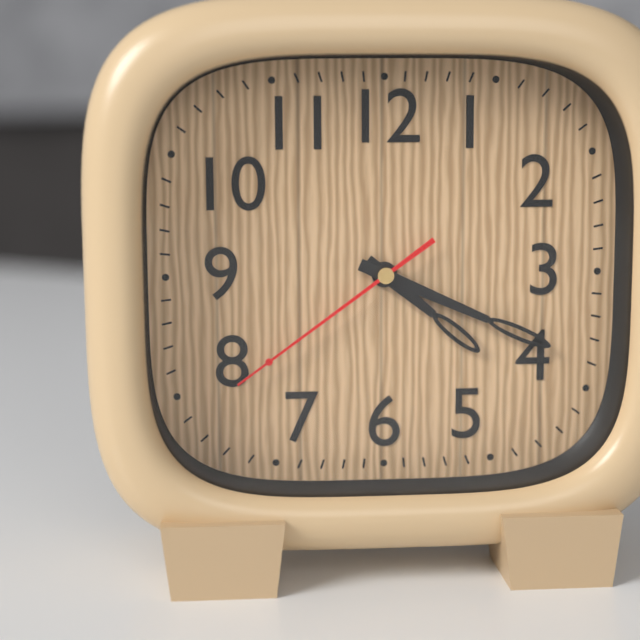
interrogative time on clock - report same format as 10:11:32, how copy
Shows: 4:19:39
